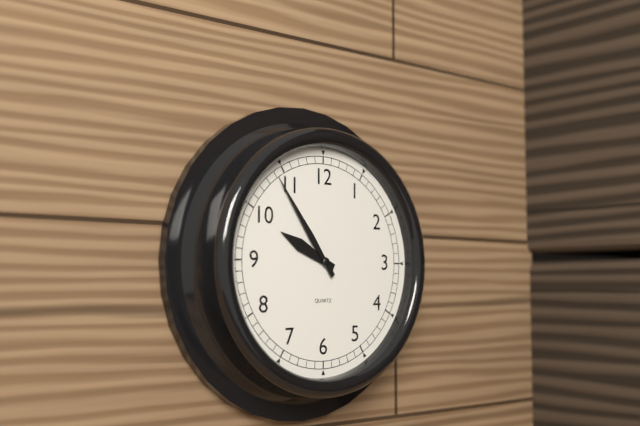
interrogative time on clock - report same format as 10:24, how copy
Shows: 9:54
